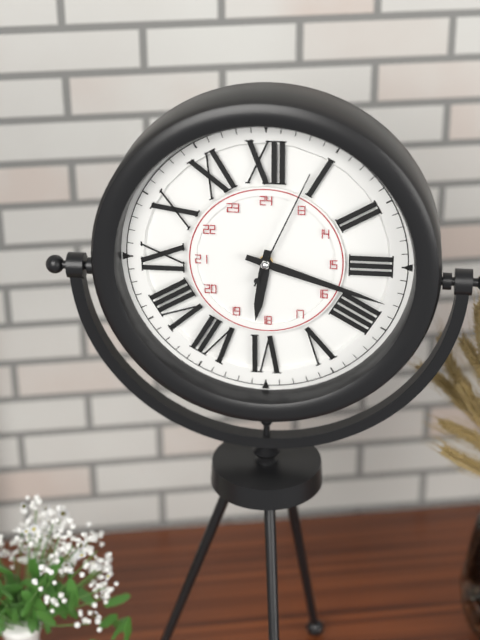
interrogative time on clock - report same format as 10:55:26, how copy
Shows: 6:18:04
